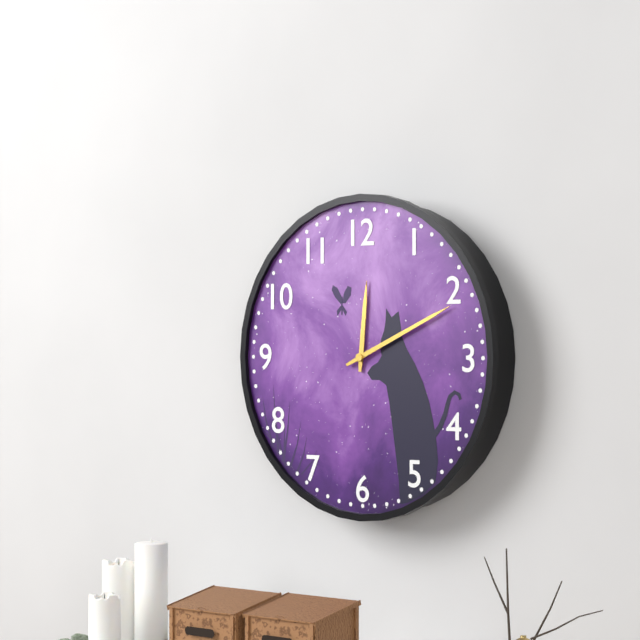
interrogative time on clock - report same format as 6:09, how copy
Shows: 12:11
